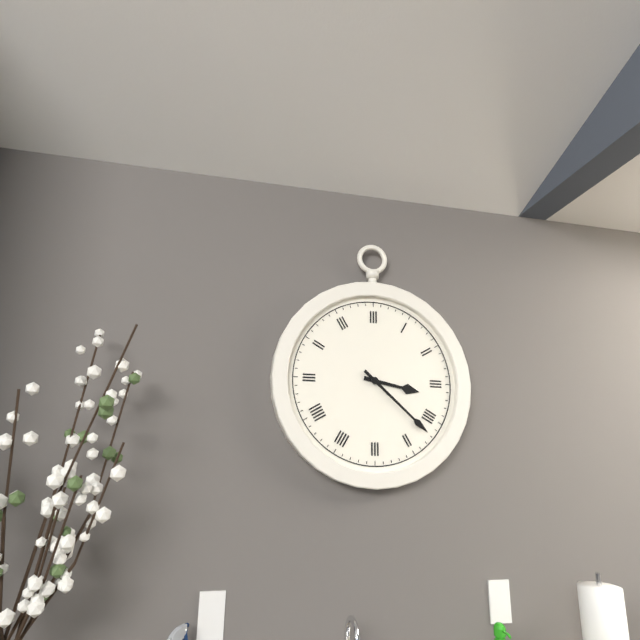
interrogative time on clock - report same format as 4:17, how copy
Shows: 3:22
